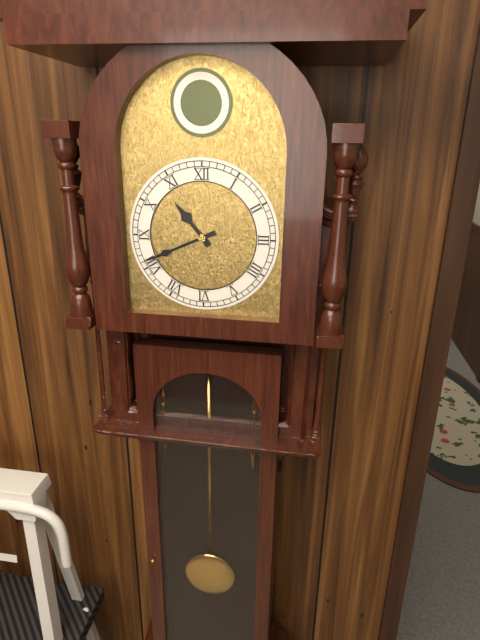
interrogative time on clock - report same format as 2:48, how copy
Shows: 10:41
